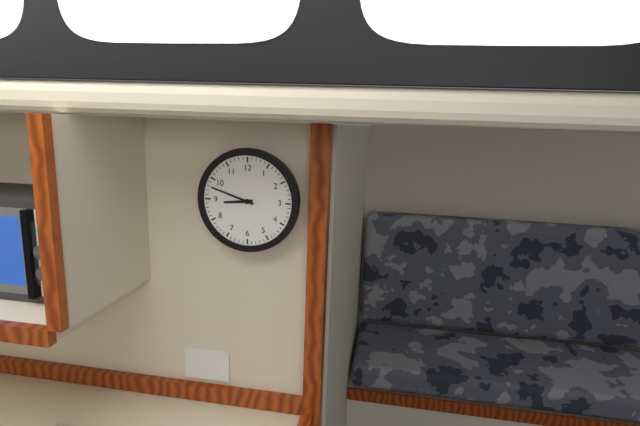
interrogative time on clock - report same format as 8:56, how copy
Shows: 8:48
